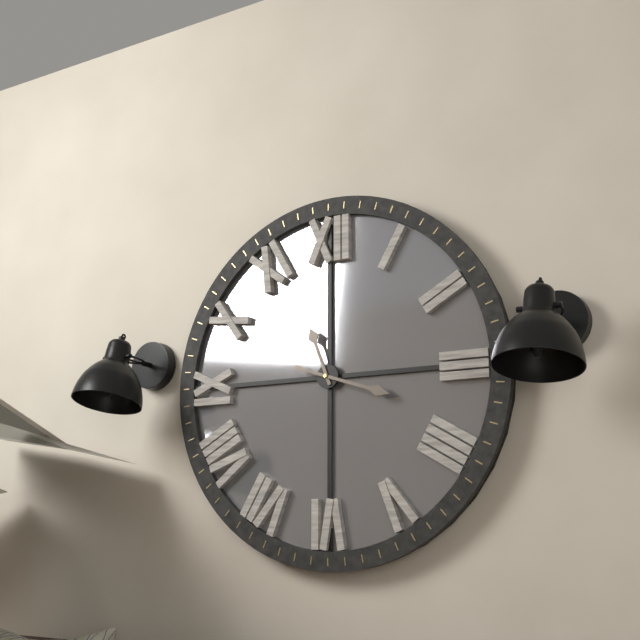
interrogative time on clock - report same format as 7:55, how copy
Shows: 11:18
